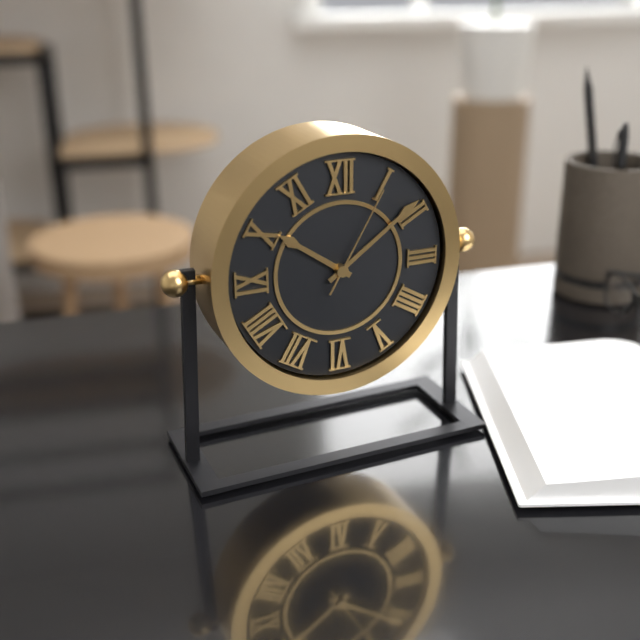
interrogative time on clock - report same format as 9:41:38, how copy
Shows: 10:09:05
